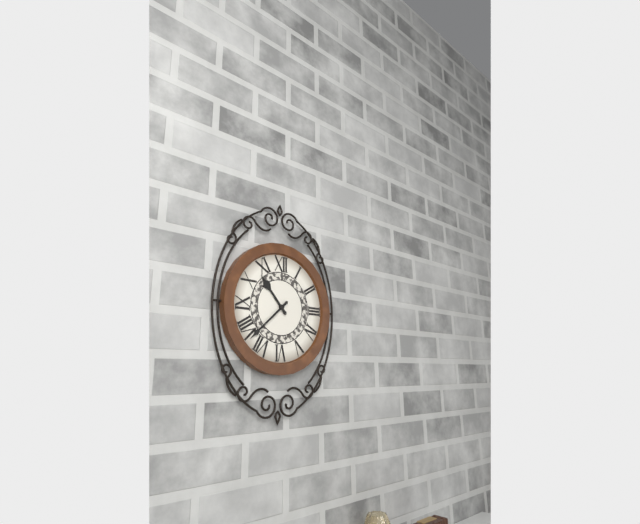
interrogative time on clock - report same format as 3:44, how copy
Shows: 10:38
